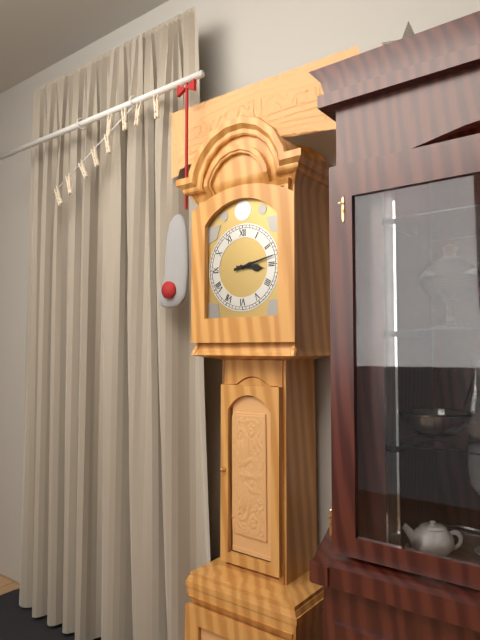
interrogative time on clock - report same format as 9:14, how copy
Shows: 3:13
